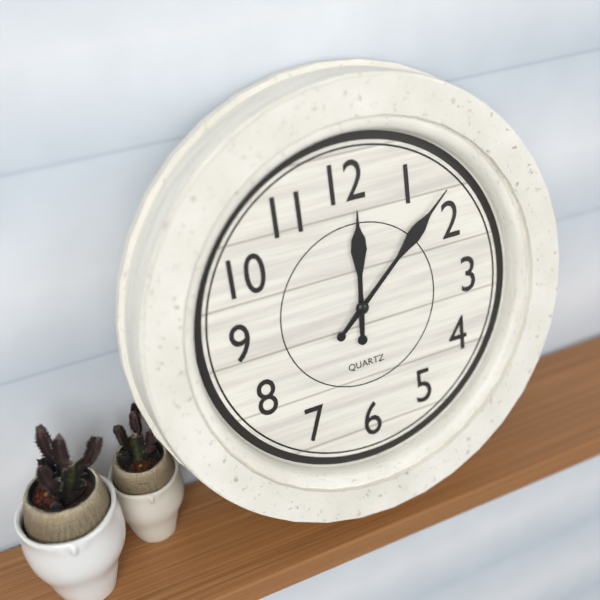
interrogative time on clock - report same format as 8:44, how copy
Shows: 12:08
